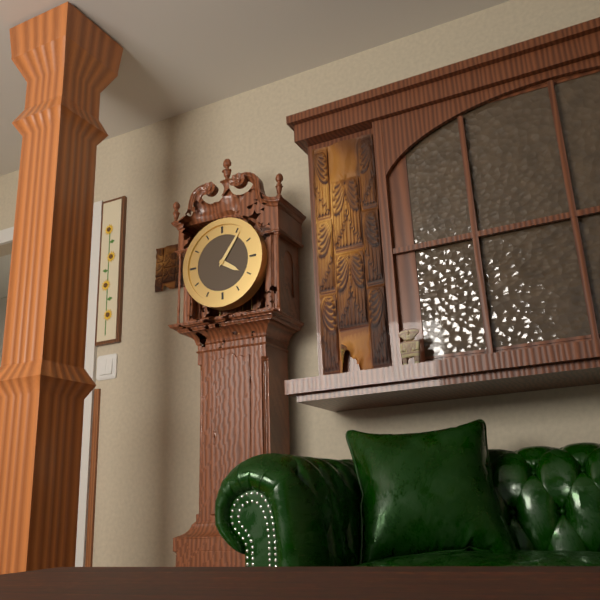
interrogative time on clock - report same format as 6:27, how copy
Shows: 4:06
